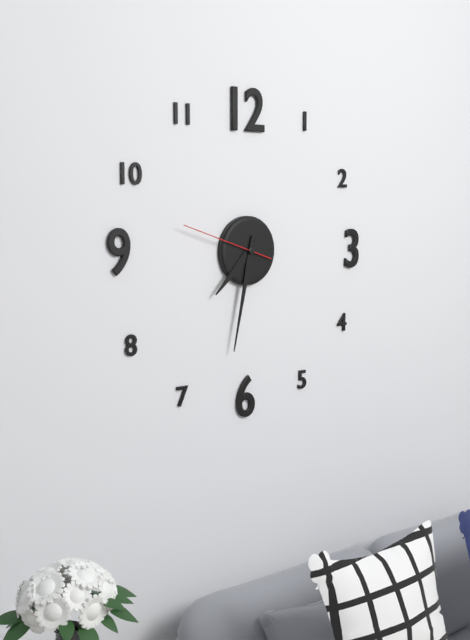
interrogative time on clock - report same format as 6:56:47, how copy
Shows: 7:32:48
